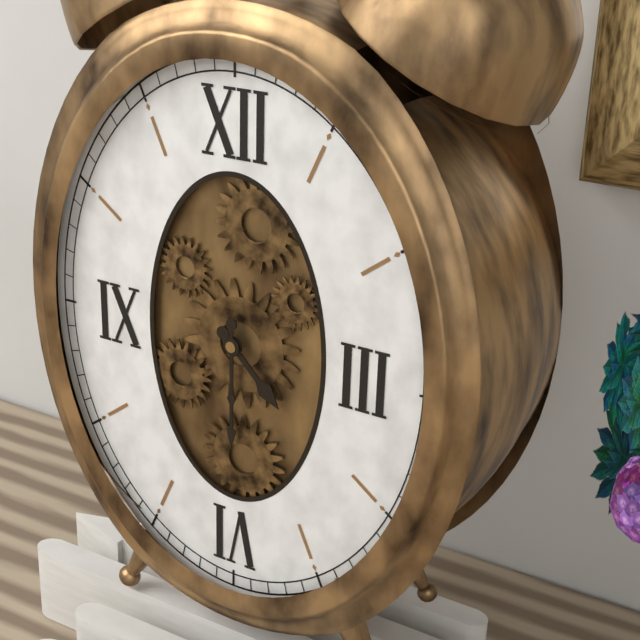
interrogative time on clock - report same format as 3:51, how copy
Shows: 4:30
